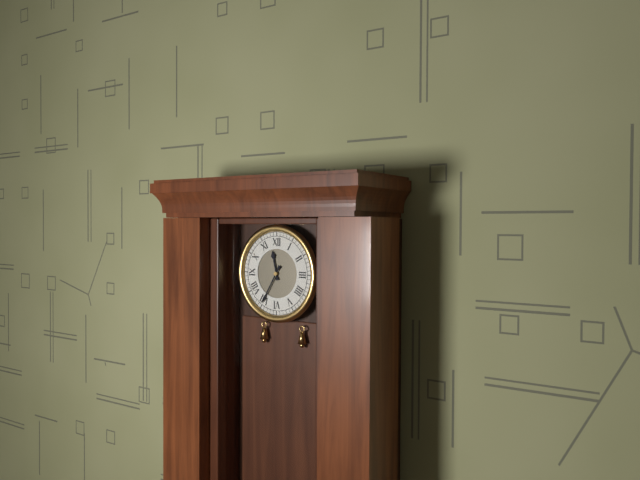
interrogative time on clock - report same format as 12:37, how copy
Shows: 11:35
